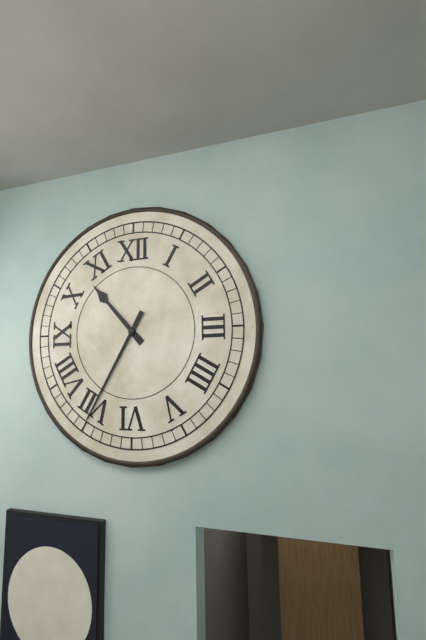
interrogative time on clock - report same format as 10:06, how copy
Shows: 10:35
